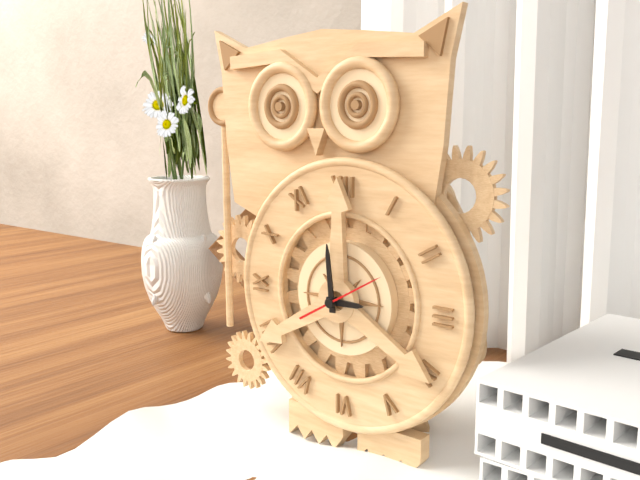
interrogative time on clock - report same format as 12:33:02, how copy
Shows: 2:59:10
